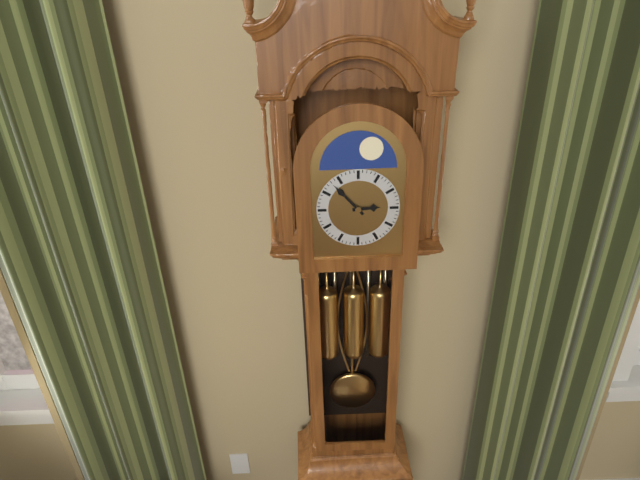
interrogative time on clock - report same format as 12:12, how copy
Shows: 2:53
